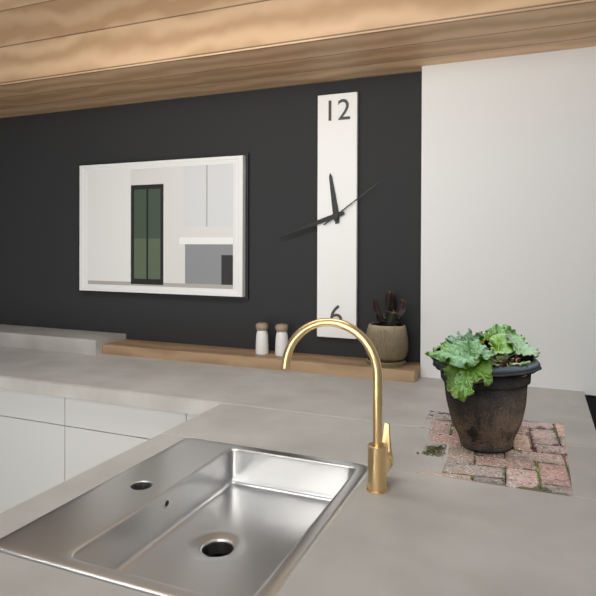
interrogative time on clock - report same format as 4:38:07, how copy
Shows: 11:42:09
